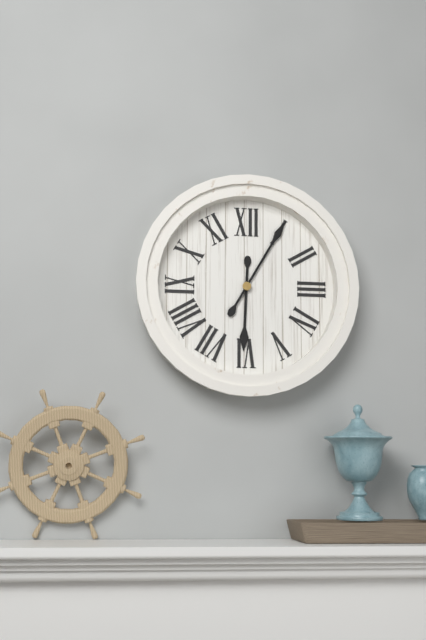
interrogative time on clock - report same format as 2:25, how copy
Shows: 6:05
